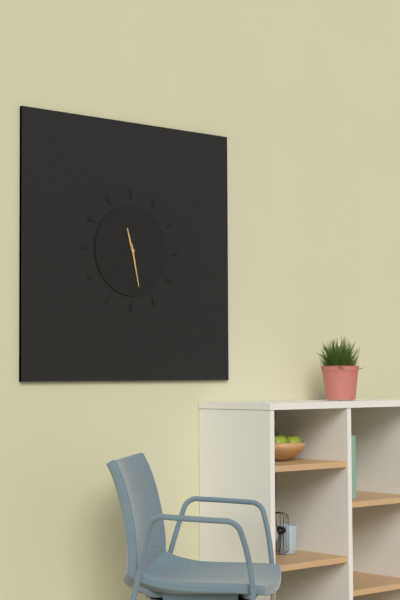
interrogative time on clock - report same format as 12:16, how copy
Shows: 11:28
